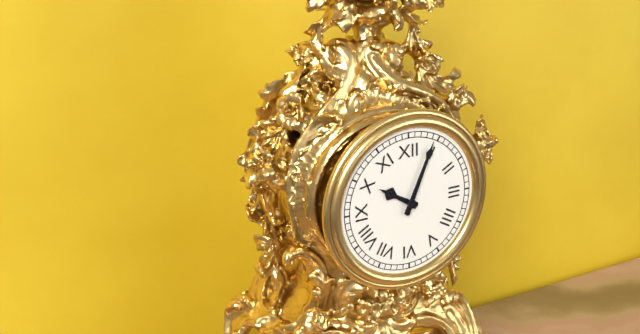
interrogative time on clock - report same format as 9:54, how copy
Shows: 10:04
